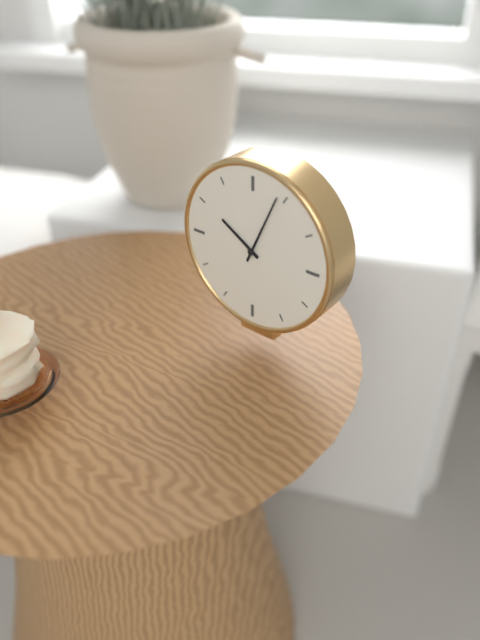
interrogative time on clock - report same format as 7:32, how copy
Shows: 10:04
